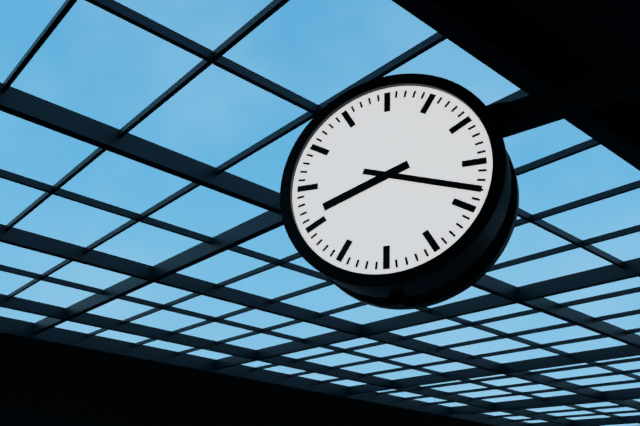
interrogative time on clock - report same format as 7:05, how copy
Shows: 8:18
